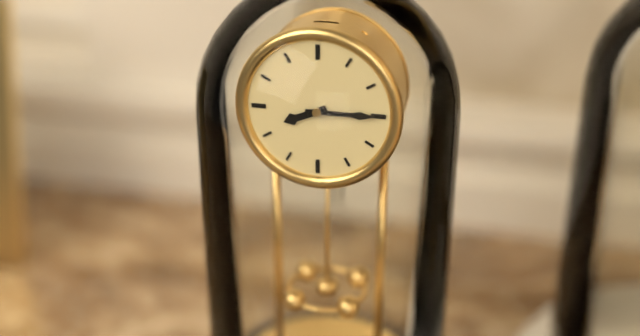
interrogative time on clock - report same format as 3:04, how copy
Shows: 8:15
